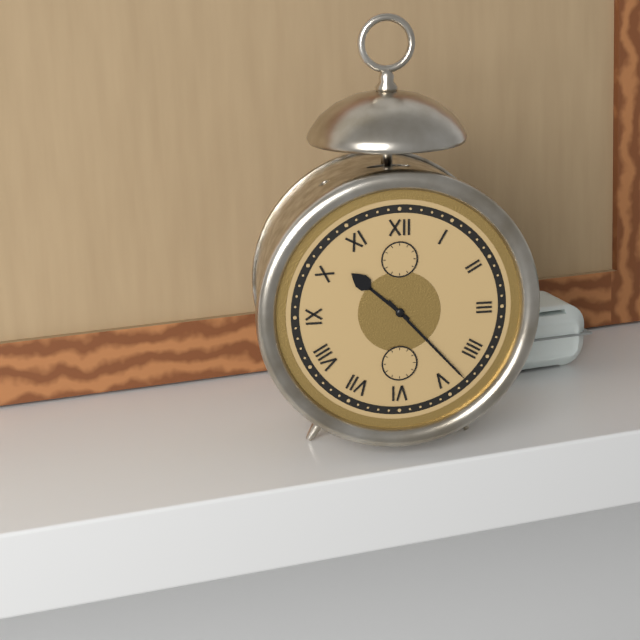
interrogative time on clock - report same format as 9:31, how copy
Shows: 10:23
